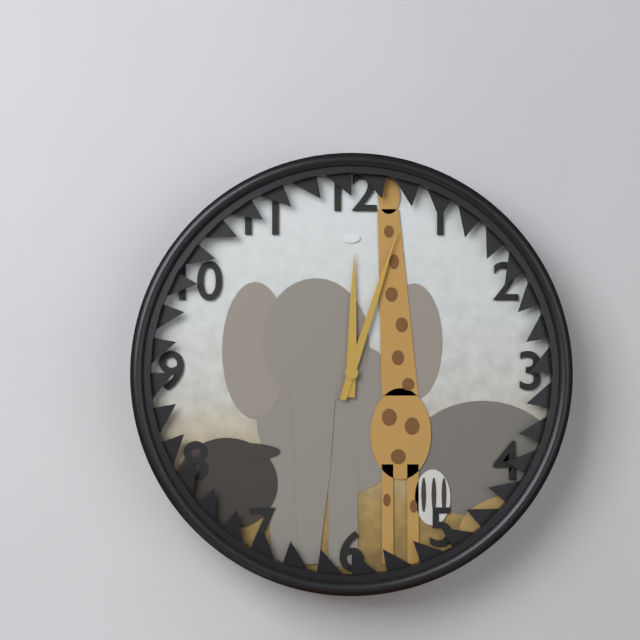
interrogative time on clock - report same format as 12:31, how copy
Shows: 12:03
